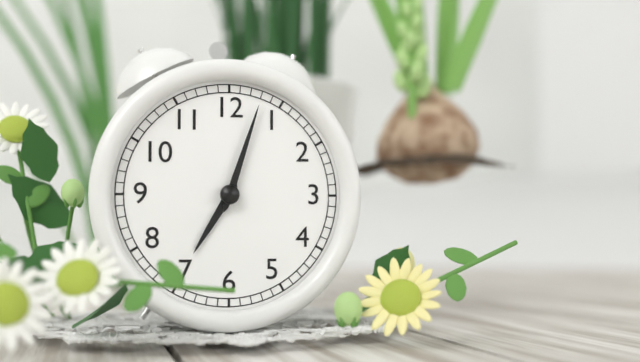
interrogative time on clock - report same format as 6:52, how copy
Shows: 7:03
